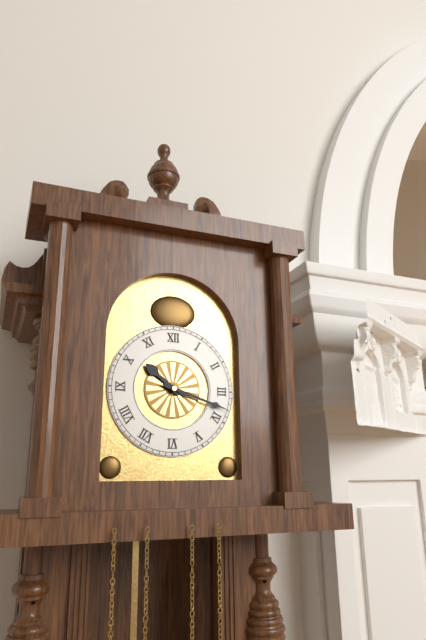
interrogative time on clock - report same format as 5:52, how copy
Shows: 10:18
